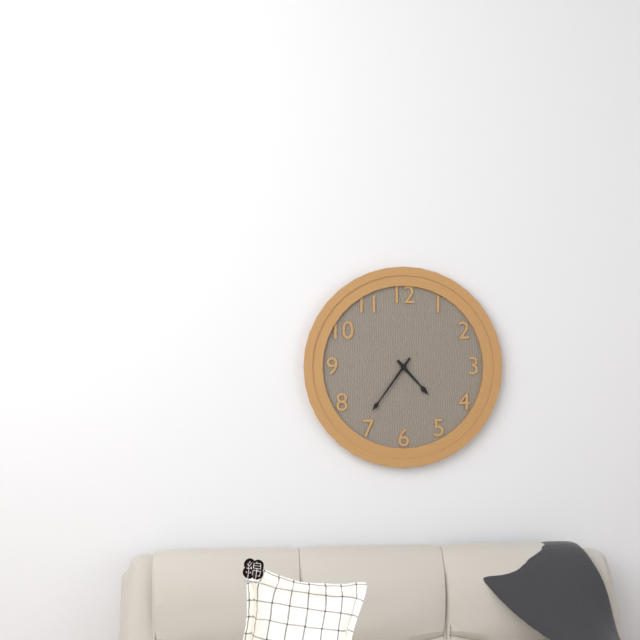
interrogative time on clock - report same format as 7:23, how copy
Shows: 4:36
